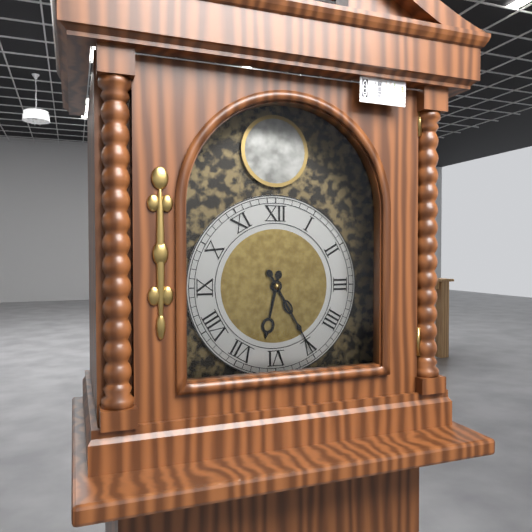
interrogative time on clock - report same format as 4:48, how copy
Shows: 6:25
